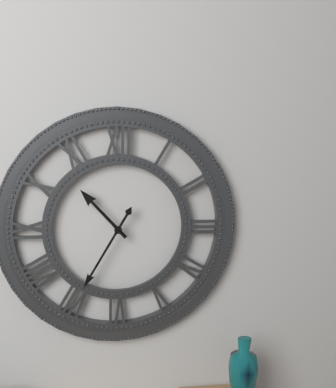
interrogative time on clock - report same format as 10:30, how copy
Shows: 10:35
